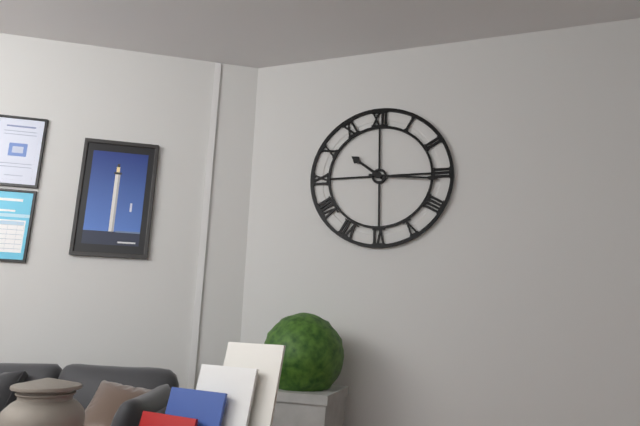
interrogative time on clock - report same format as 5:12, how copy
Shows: 10:16
